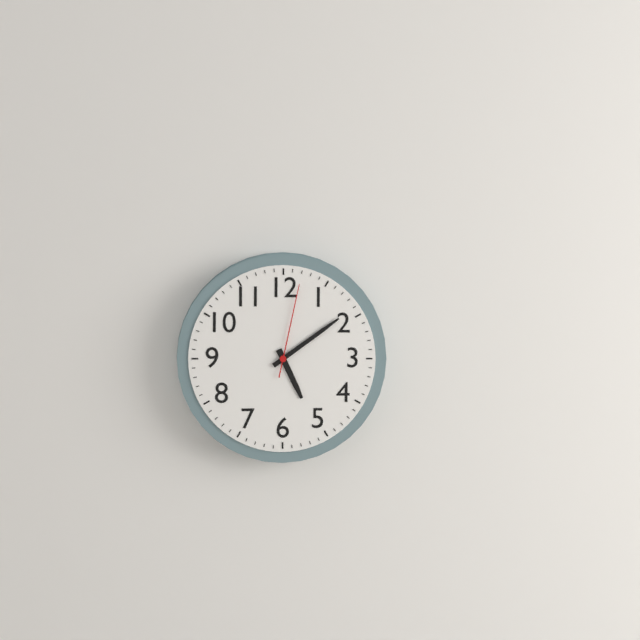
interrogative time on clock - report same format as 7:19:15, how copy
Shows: 5:09:02
